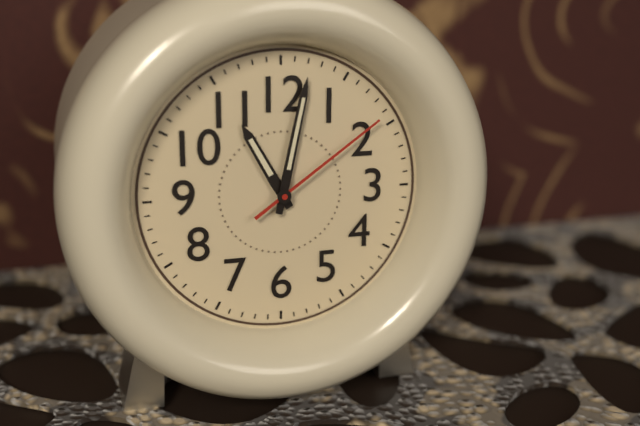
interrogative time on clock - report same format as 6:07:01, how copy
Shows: 11:02:09
